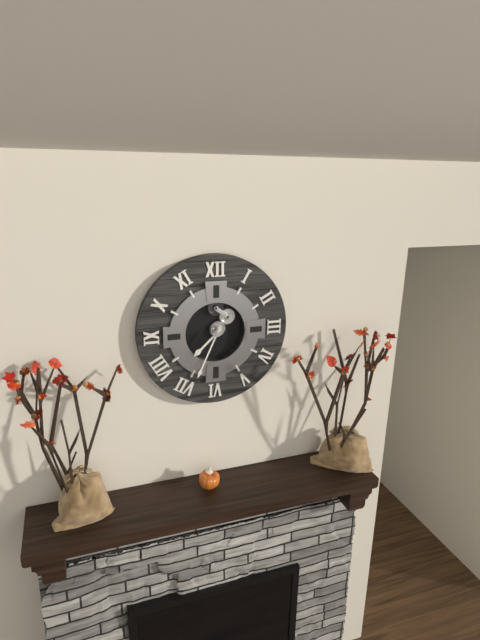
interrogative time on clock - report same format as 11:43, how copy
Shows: 7:34
